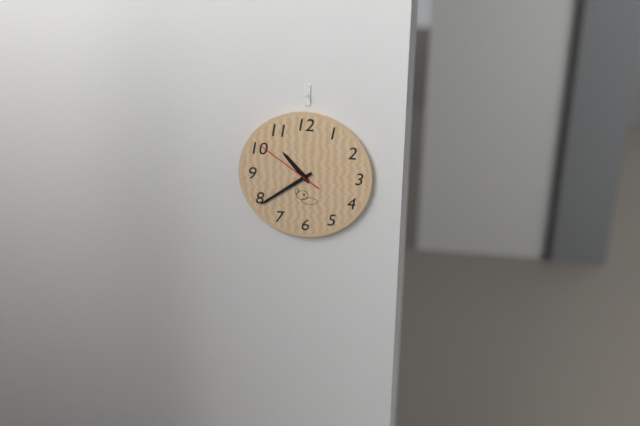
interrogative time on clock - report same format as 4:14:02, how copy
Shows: 10:39:51
